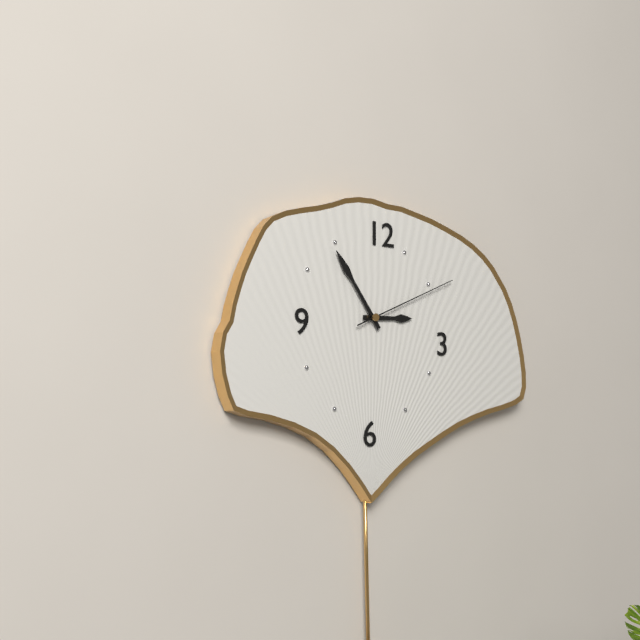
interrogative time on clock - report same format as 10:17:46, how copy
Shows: 2:54:11
